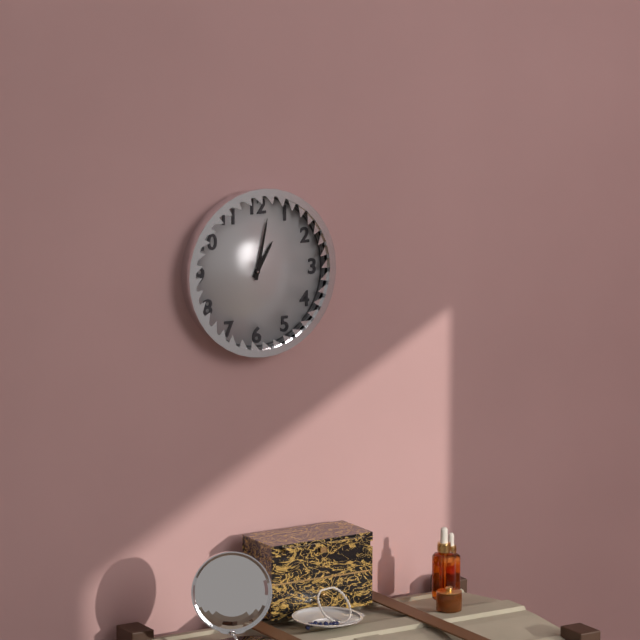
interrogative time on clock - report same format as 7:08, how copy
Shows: 1:02
